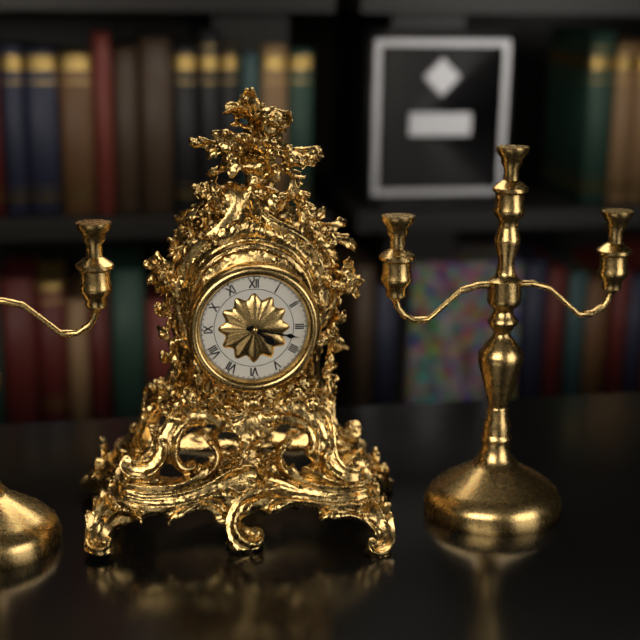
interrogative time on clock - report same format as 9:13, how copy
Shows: 4:17
